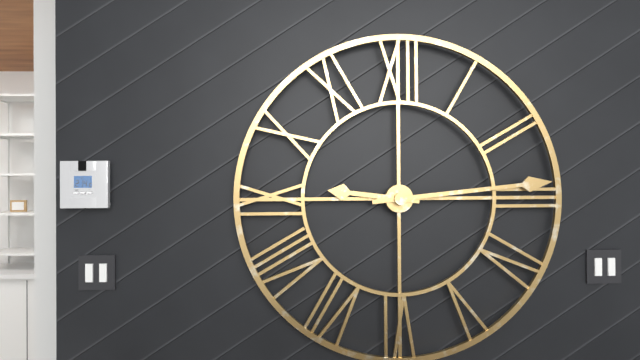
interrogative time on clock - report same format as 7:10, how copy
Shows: 9:14
